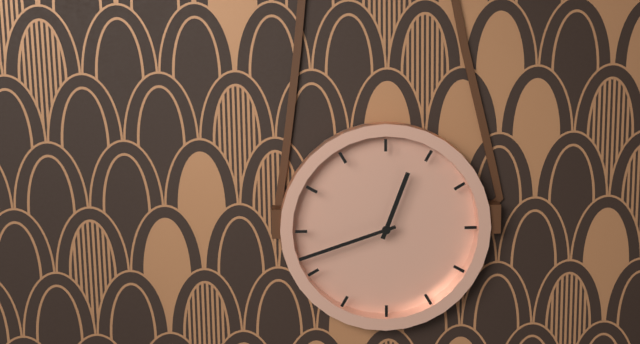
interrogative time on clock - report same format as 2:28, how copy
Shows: 12:42
